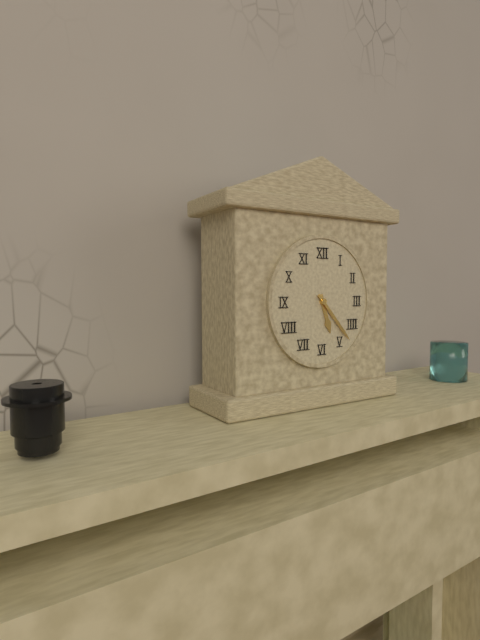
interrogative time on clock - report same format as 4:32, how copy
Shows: 5:23
